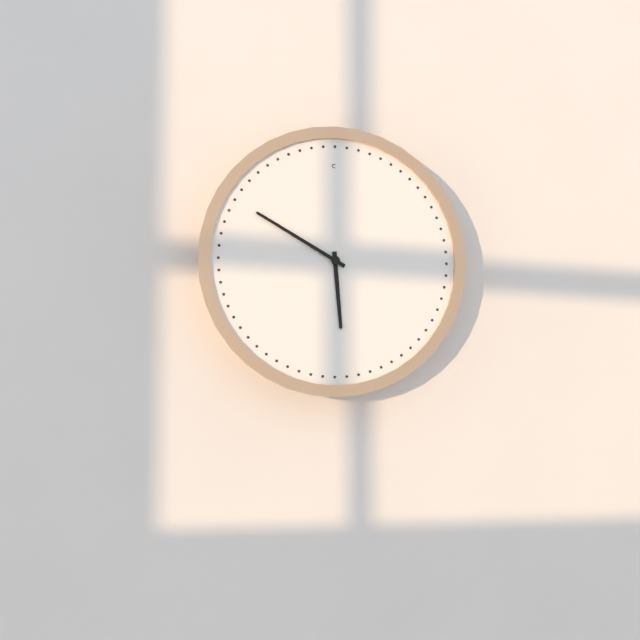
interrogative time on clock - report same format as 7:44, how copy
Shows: 5:50
